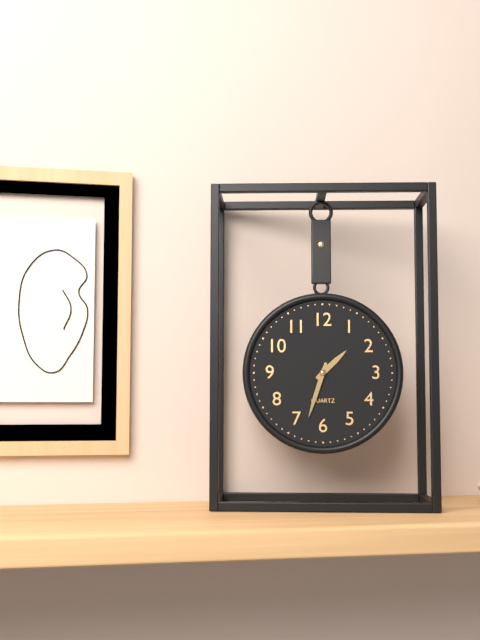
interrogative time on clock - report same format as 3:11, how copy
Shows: 1:33
